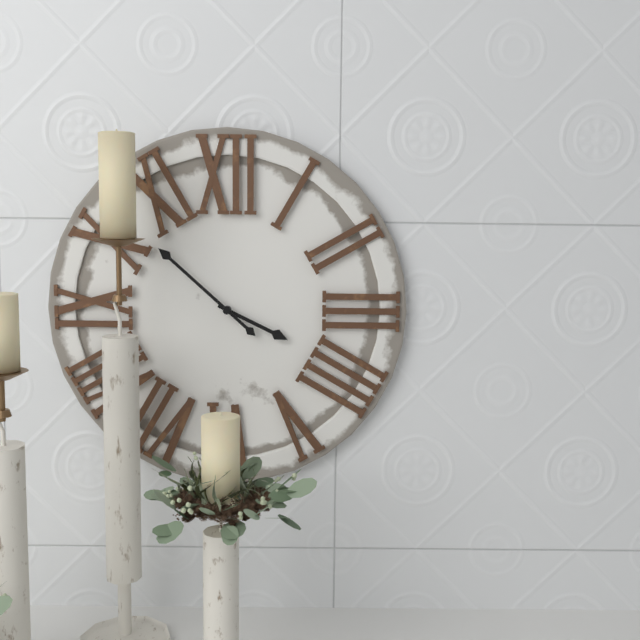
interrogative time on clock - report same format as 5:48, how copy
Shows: 3:52
